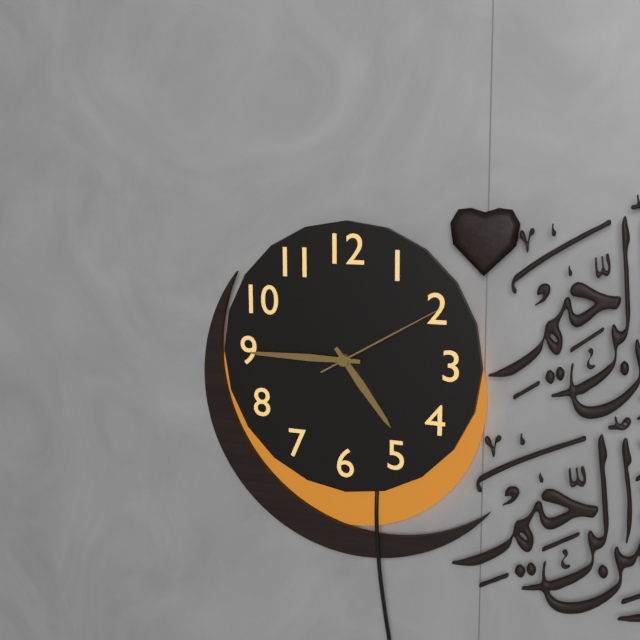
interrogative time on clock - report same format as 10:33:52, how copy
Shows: 4:45:10
